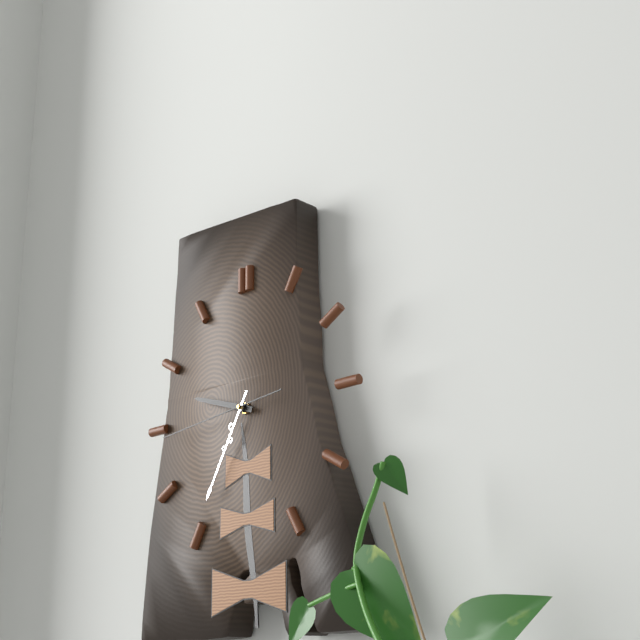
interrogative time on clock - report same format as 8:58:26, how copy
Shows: 9:35:44
